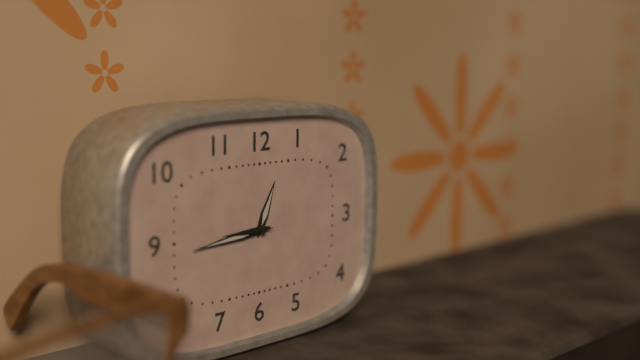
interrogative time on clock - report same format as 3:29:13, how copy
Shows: 12:44:45
